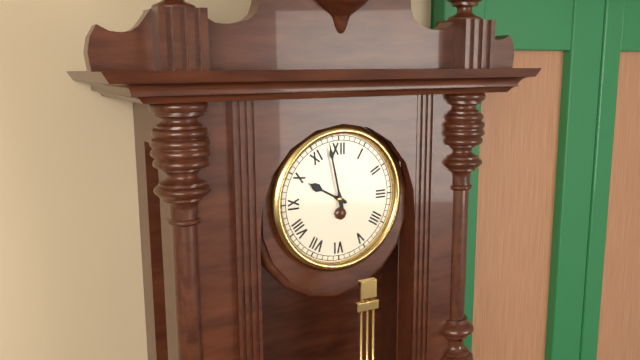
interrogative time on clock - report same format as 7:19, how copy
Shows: 9:58
